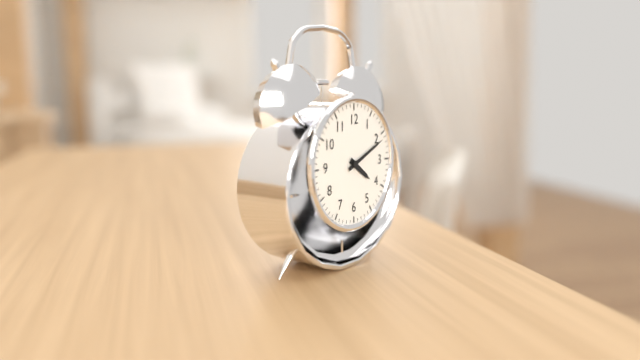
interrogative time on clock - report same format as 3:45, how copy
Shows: 4:11
